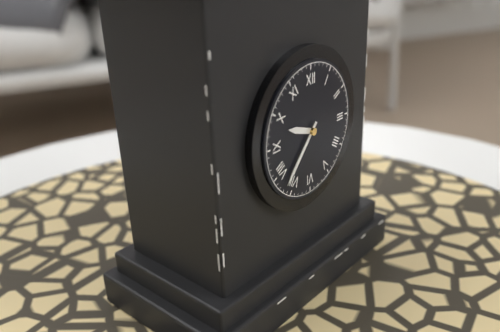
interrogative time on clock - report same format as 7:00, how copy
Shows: 9:37
